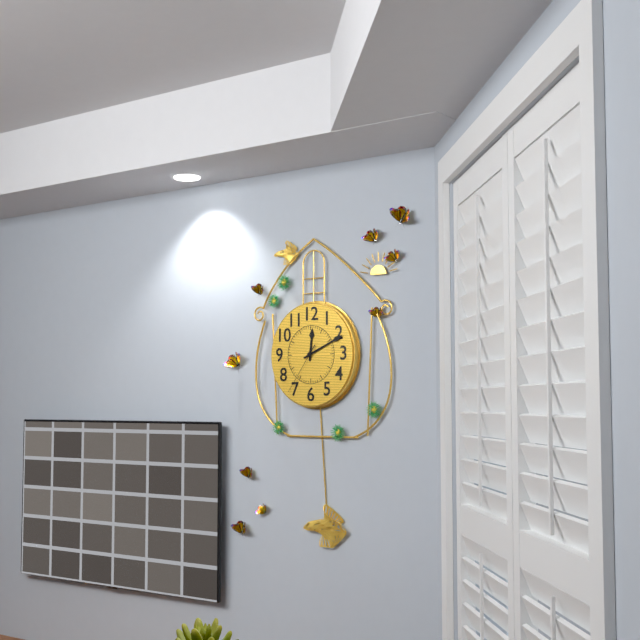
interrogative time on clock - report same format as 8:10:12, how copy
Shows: 12:11:36
